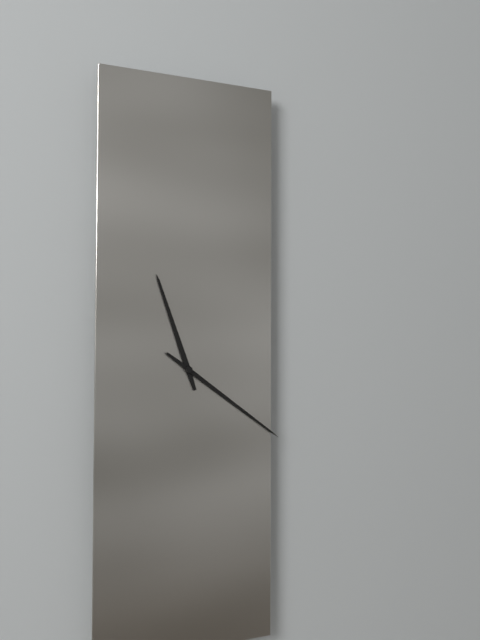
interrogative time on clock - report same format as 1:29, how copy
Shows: 11:21
